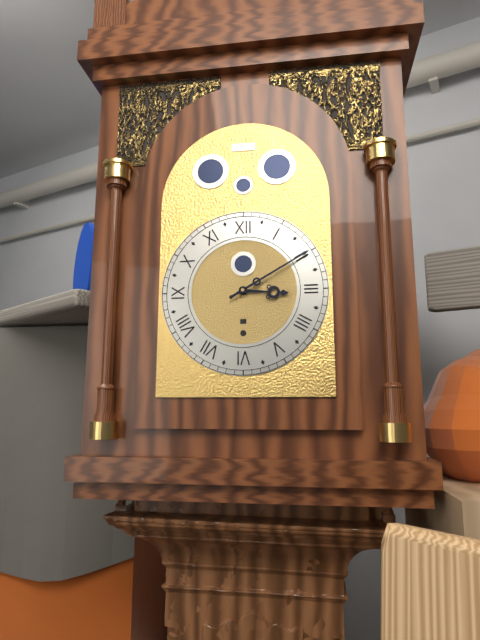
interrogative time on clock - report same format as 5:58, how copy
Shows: 3:10
